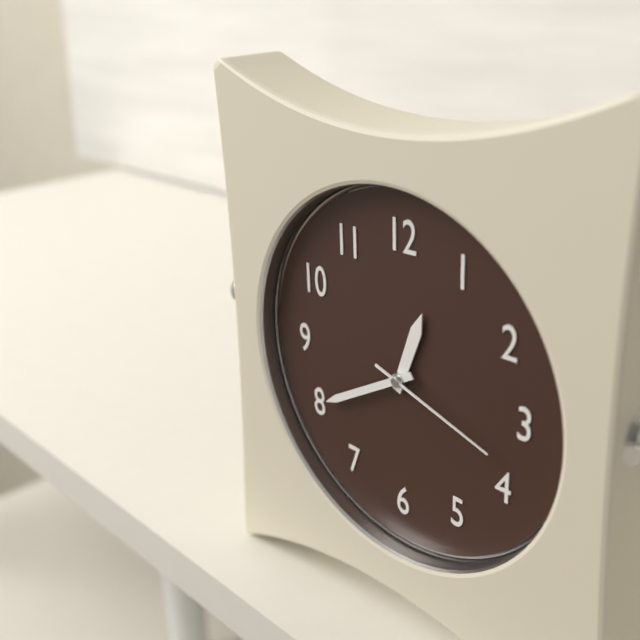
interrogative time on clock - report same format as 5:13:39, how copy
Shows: 12:40:18
